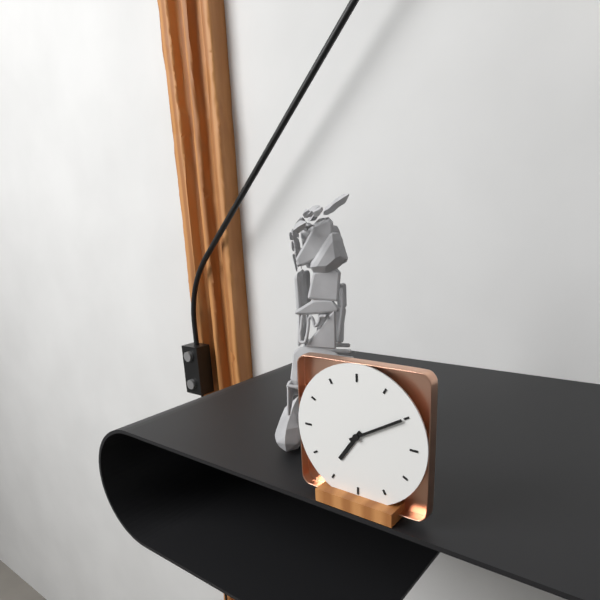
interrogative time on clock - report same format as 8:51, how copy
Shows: 7:10
